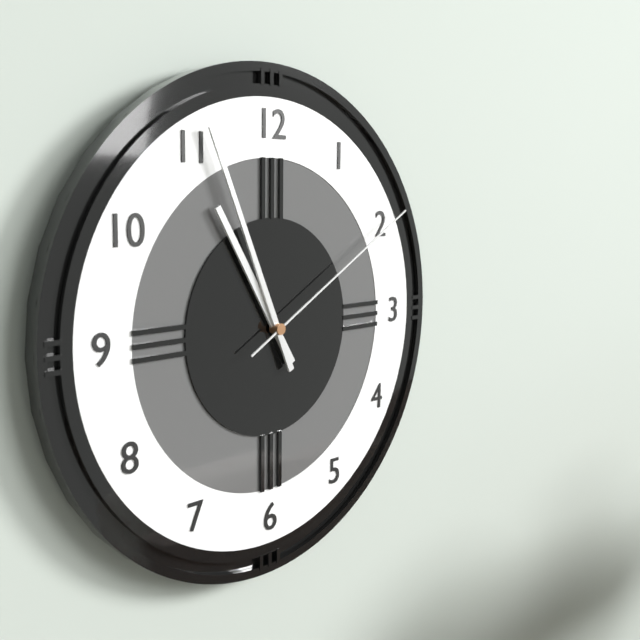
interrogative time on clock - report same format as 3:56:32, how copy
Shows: 10:56:10
